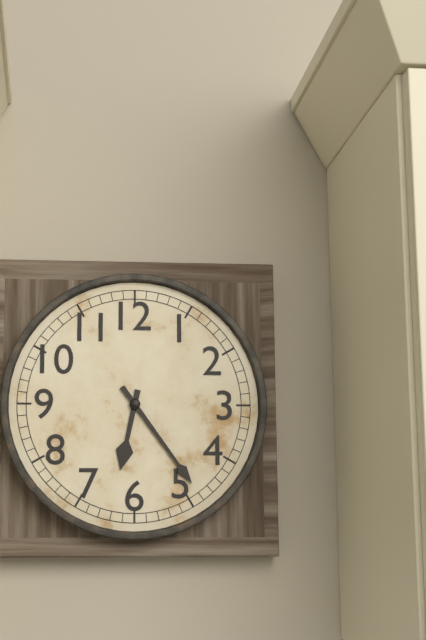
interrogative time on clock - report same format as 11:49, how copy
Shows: 6:24
